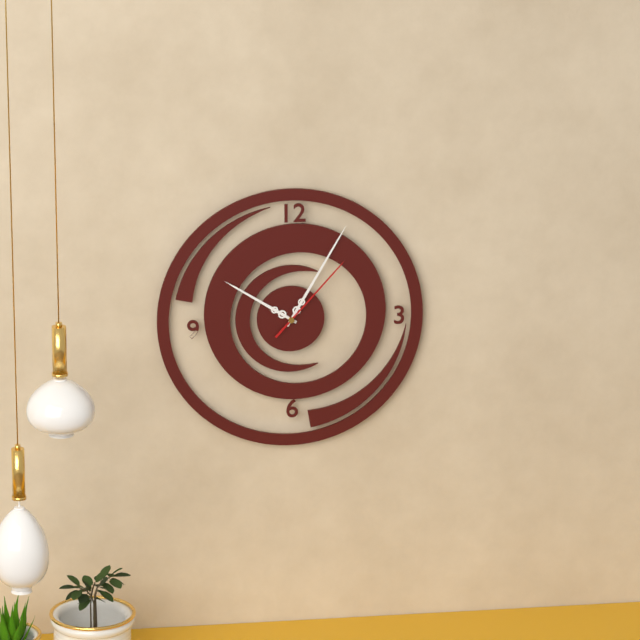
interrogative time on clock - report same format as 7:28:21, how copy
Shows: 10:05:07
